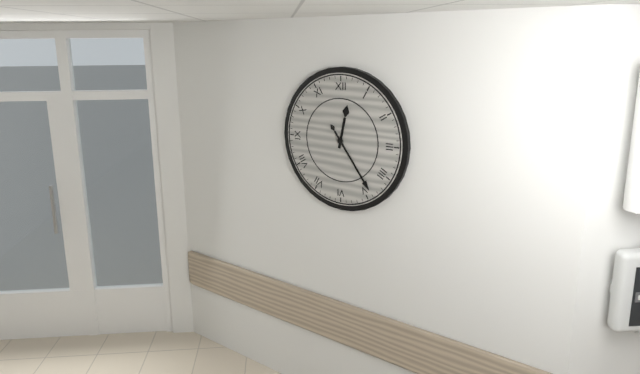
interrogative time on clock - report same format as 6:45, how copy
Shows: 12:24
